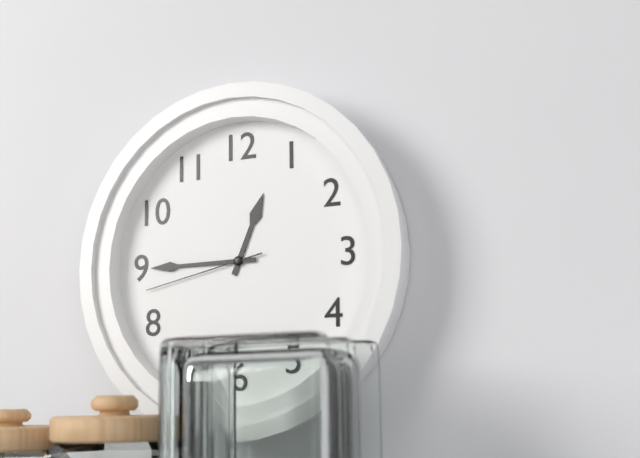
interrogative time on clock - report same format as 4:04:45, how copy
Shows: 12:45:43
